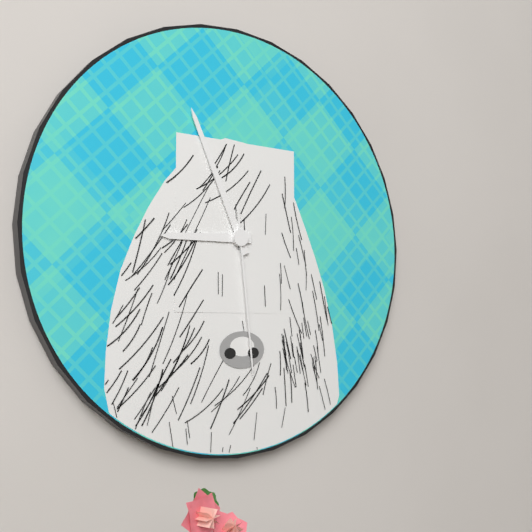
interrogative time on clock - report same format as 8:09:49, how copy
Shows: 8:56:29
